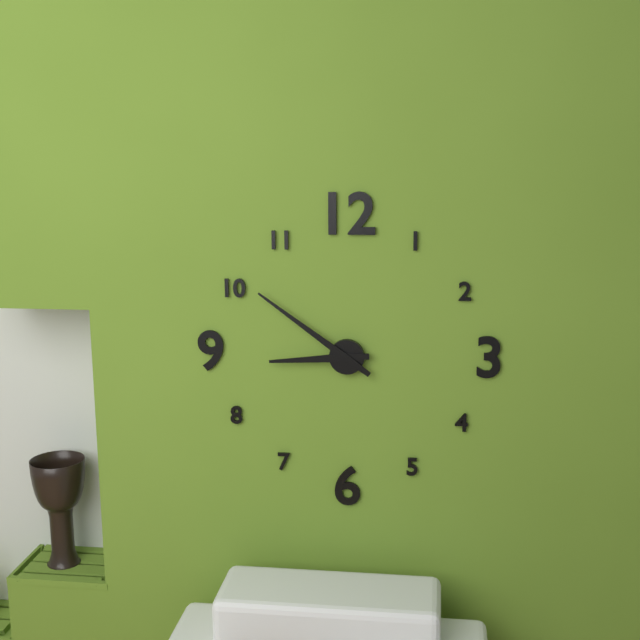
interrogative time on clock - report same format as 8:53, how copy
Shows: 8:51
